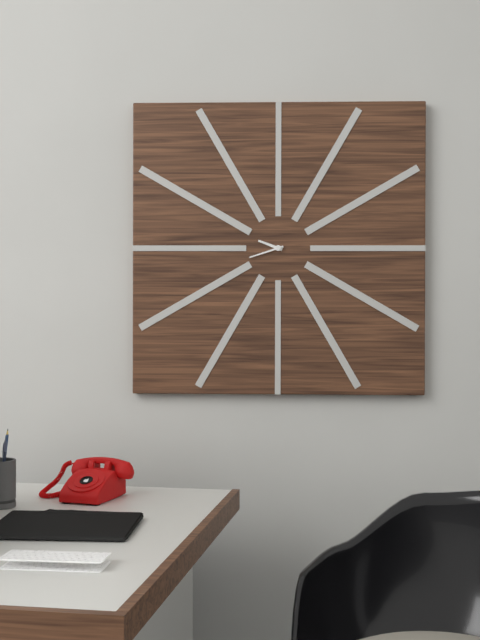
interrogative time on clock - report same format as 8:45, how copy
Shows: 9:42
